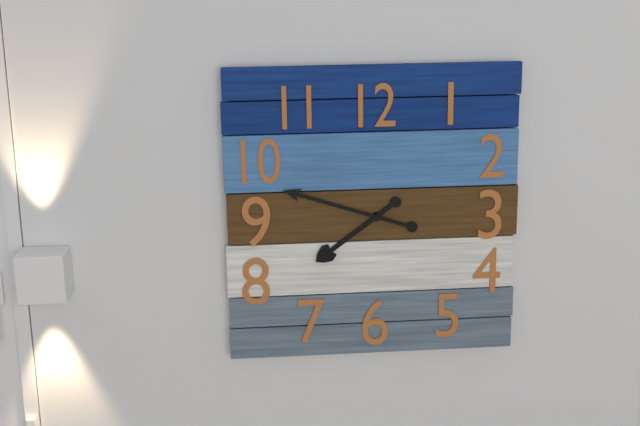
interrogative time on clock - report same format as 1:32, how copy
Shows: 7:48
